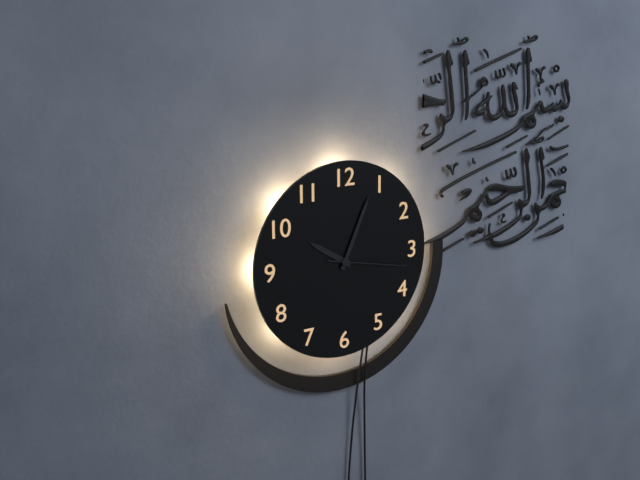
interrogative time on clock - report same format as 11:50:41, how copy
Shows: 10:04:17
